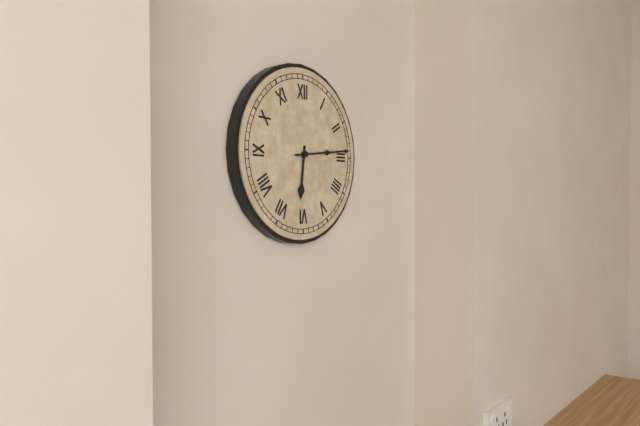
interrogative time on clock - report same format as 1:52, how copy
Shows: 6:14
